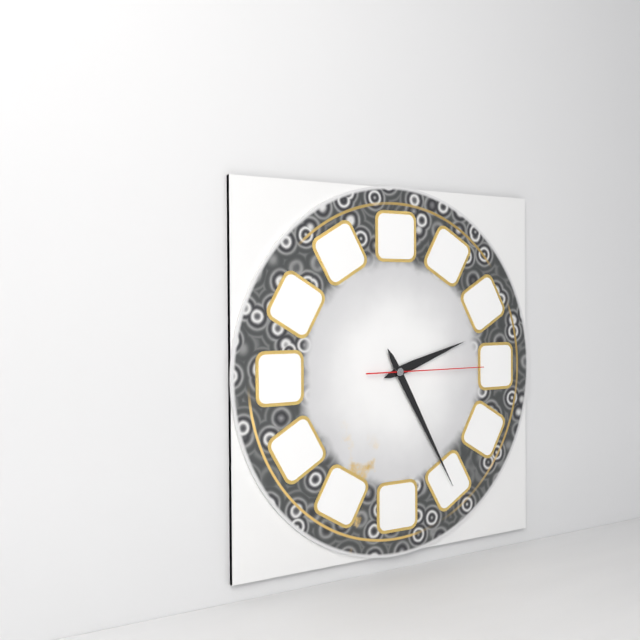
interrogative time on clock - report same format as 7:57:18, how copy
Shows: 2:25:15
